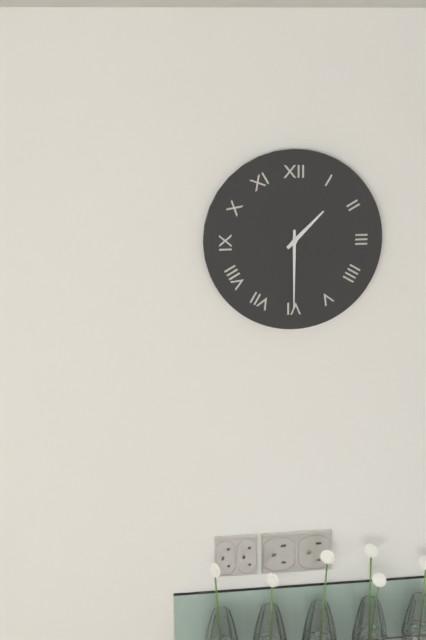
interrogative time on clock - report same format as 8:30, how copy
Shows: 1:30
